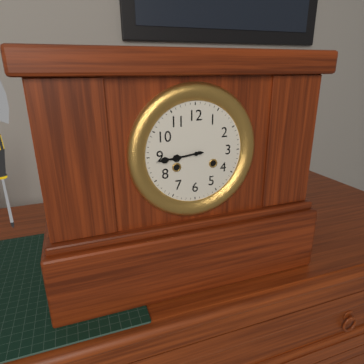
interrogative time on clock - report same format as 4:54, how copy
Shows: 8:44
